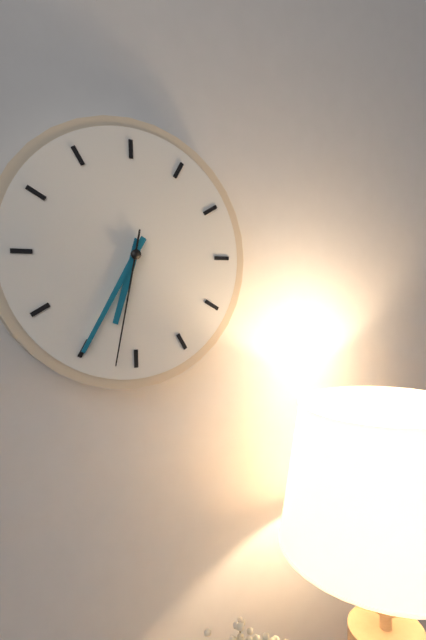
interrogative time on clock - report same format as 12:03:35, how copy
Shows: 6:35:32
